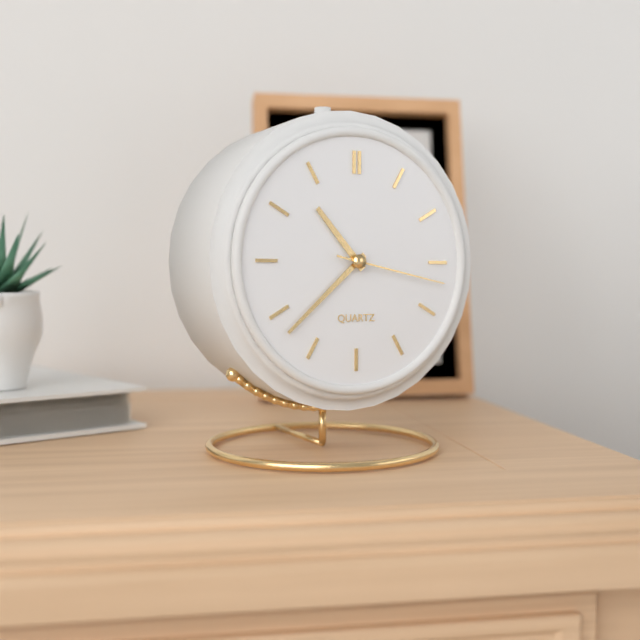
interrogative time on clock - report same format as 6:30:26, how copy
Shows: 10:38:17
